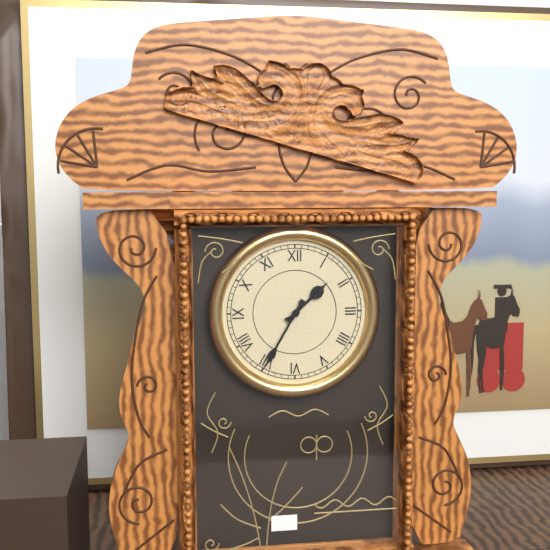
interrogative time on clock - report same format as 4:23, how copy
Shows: 1:35
